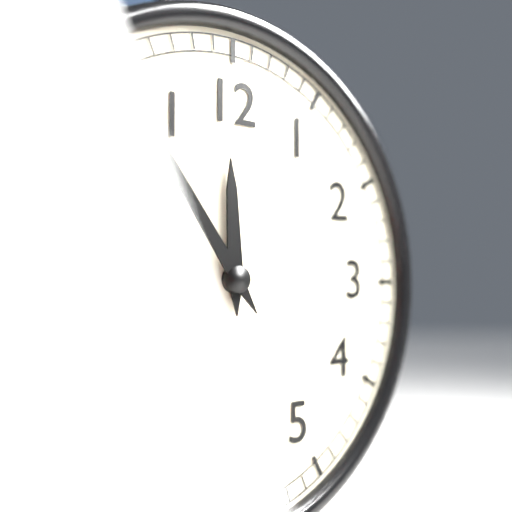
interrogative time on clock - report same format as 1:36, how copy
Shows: 11:54
